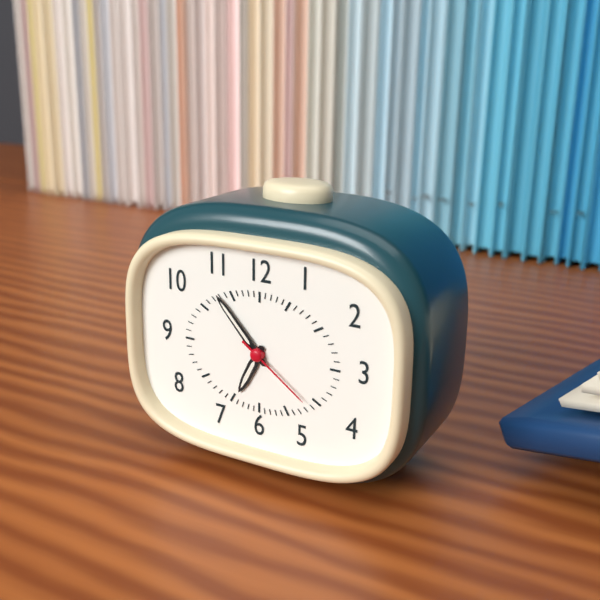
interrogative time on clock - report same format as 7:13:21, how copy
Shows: 6:53:21
